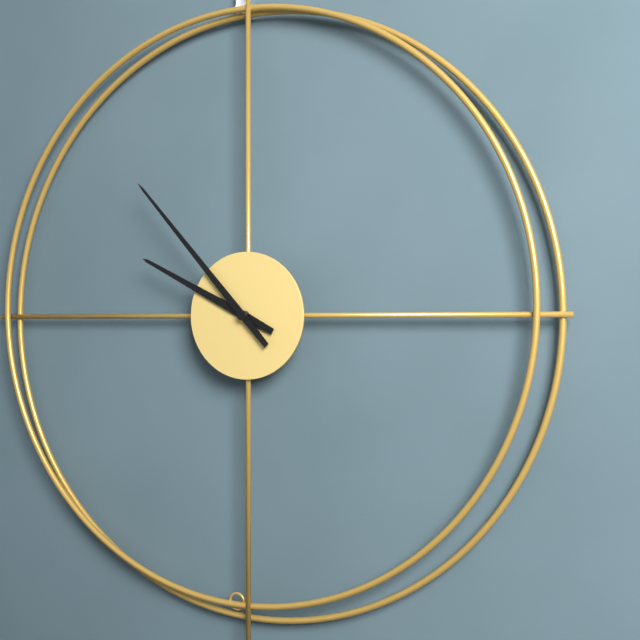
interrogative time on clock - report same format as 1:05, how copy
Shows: 9:53
